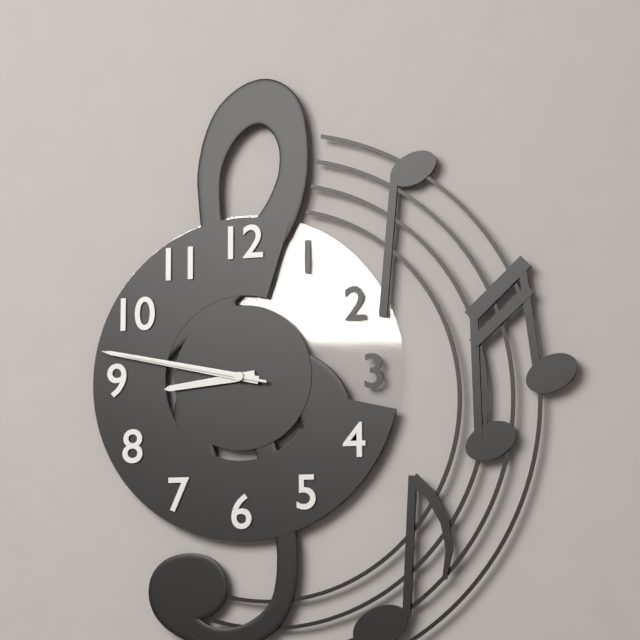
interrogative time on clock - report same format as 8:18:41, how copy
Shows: 8:47:47
